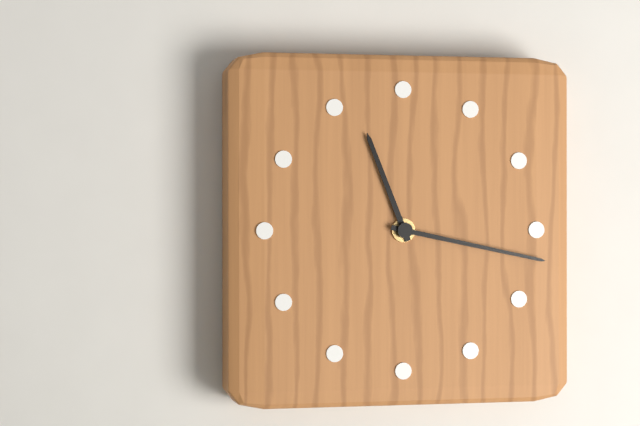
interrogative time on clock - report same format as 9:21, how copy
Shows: 11:17
